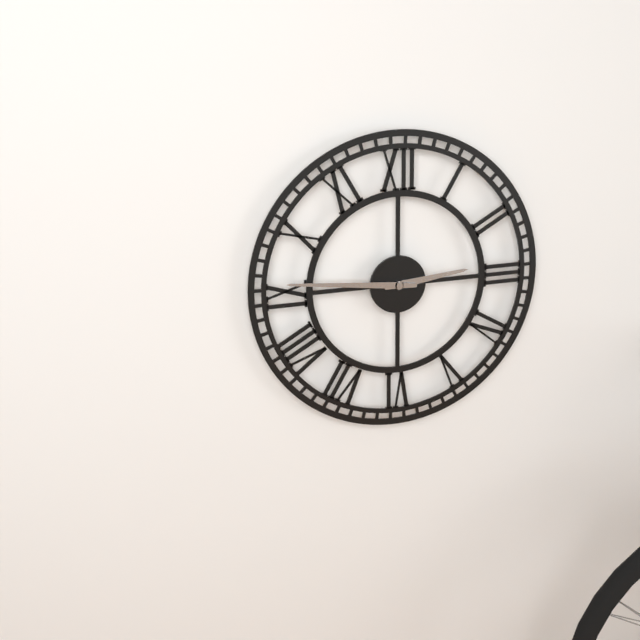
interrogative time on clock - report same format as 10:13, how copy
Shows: 2:46
